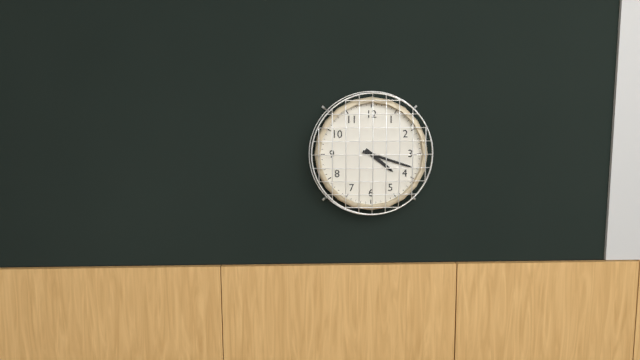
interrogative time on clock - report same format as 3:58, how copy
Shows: 4:18
